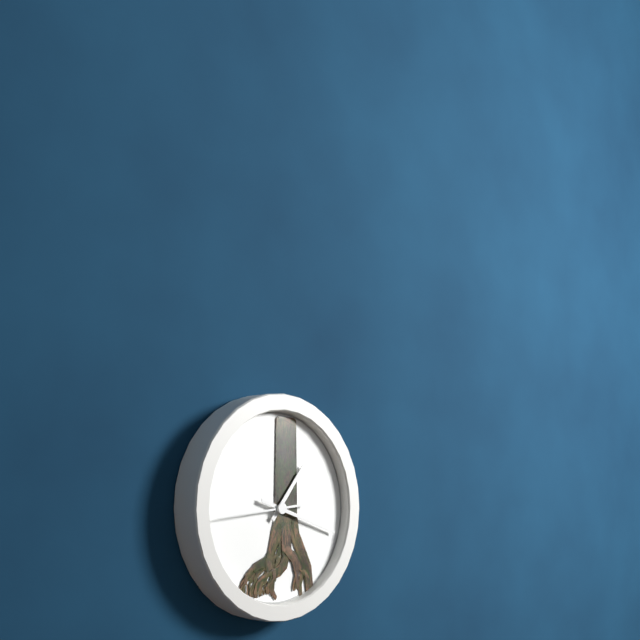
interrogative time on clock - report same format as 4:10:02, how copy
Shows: 1:18:44
